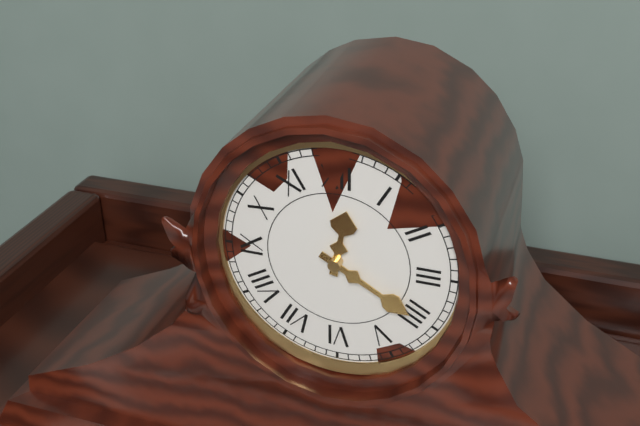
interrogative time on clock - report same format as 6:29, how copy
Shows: 12:20
